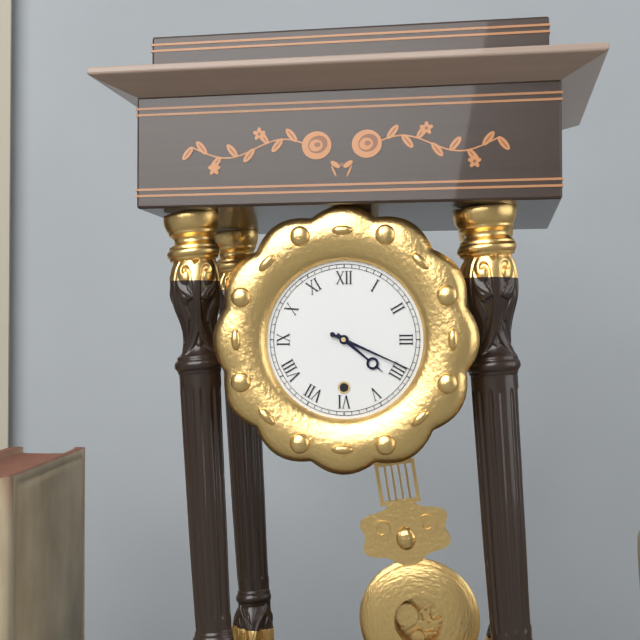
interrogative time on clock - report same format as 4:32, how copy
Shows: 4:19
